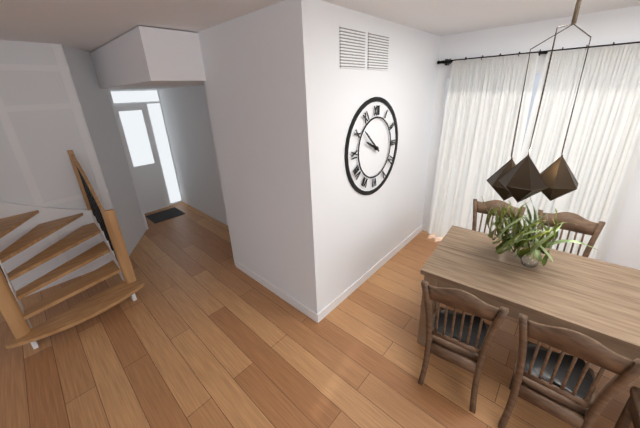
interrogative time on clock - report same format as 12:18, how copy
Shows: 9:52
